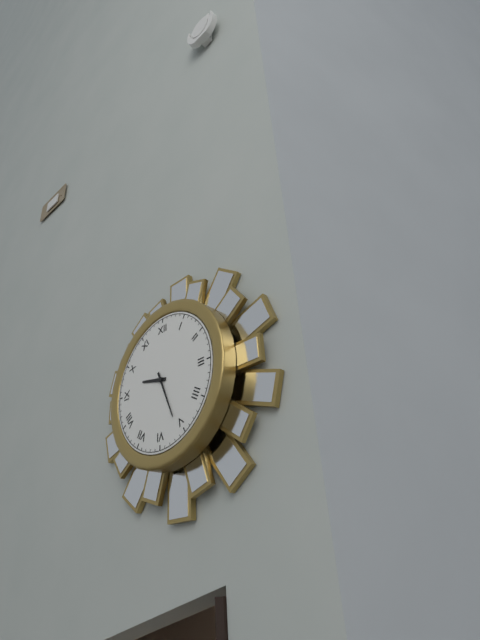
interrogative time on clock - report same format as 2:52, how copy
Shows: 9:26
